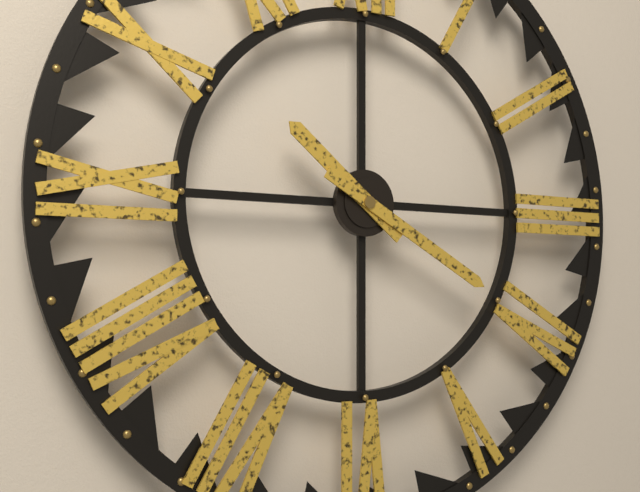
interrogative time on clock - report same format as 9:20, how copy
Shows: 10:20
